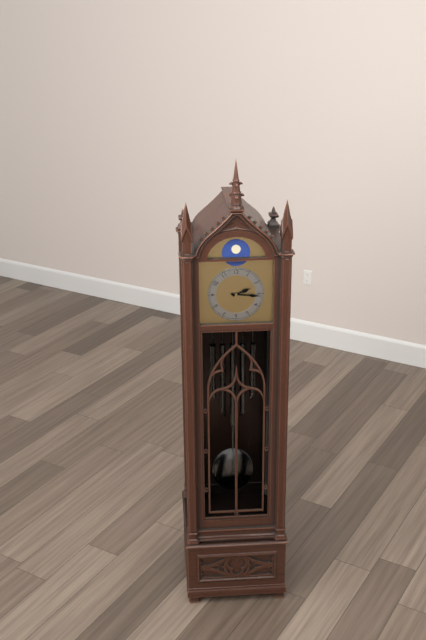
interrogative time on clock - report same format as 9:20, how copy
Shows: 2:16
